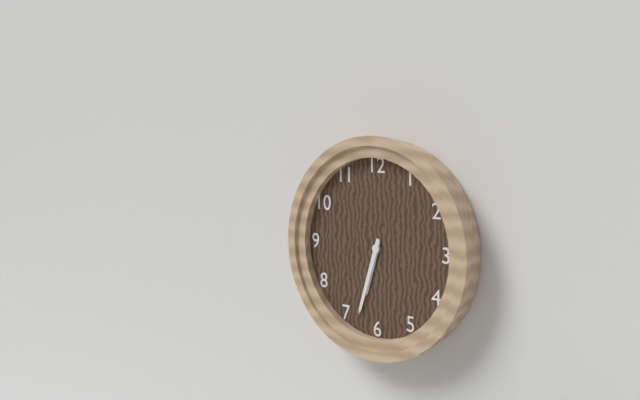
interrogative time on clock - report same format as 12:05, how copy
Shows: 6:33
